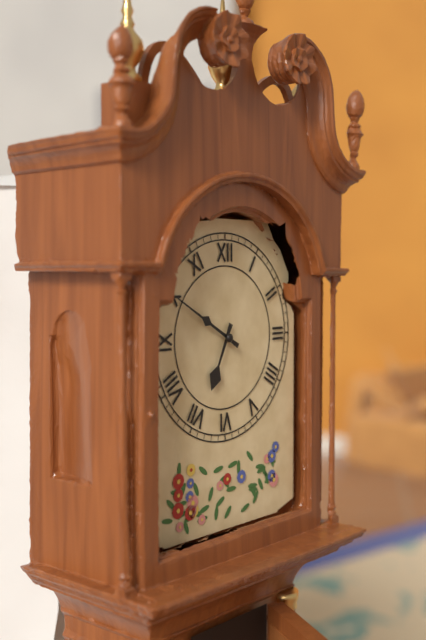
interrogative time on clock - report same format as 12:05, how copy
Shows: 6:50
